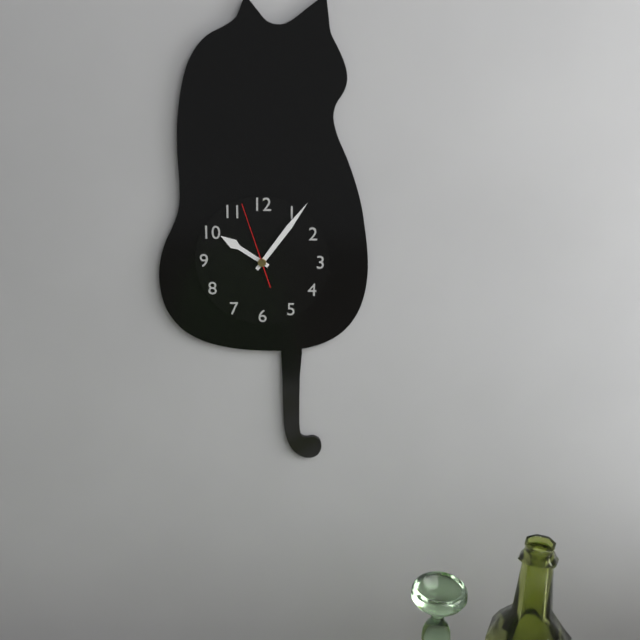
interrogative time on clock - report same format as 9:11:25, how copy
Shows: 10:06:57
